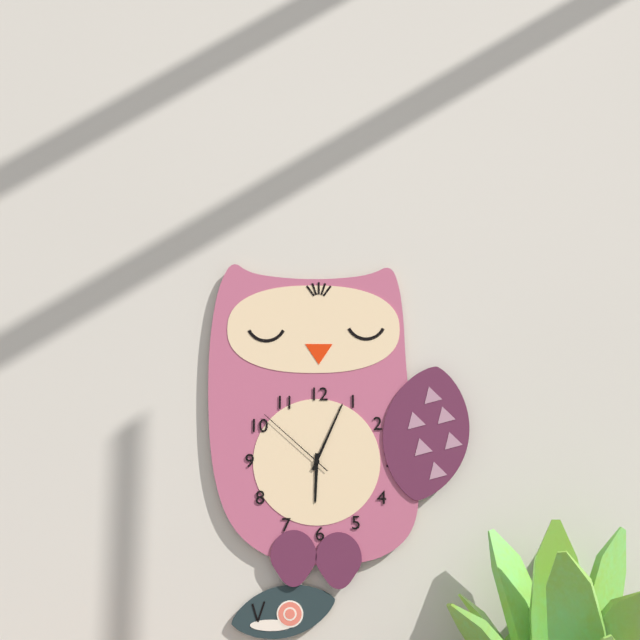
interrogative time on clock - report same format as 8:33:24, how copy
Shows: 6:04:52
